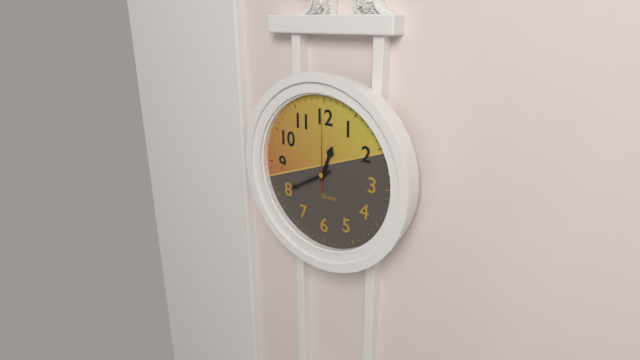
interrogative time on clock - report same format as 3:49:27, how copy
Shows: 12:40:00
